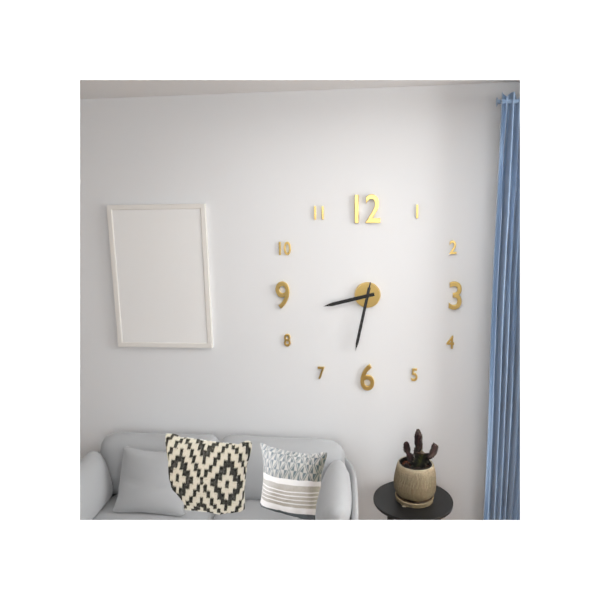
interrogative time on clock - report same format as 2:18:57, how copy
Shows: 8:32:32
